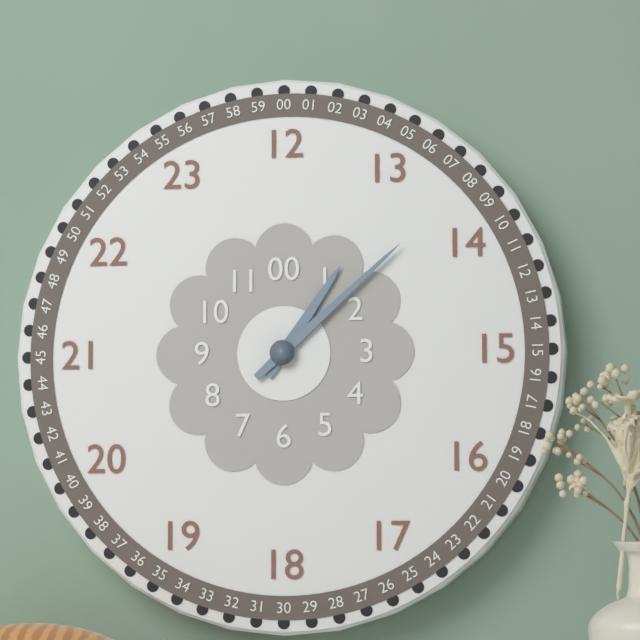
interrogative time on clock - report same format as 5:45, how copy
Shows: 1:08
